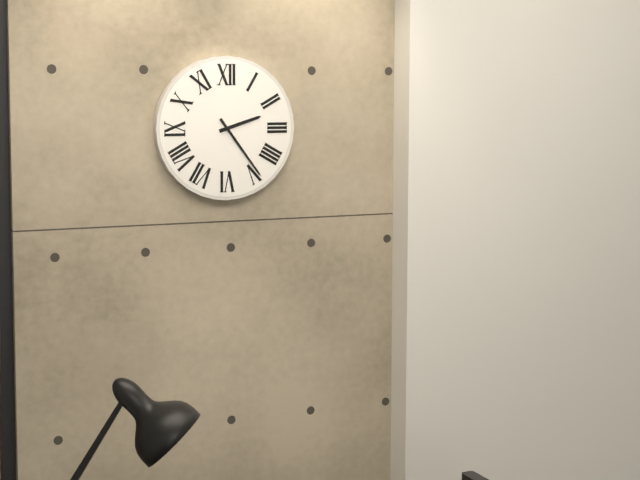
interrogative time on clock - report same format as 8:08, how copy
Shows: 2:24
